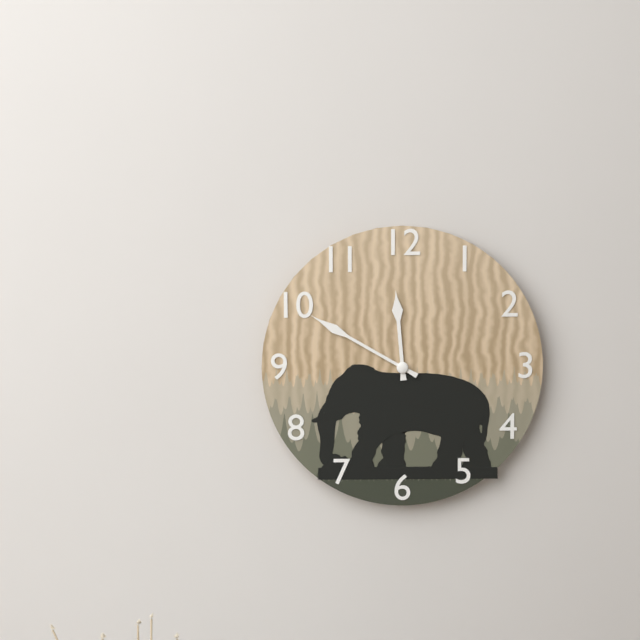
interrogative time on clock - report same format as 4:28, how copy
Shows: 11:50
